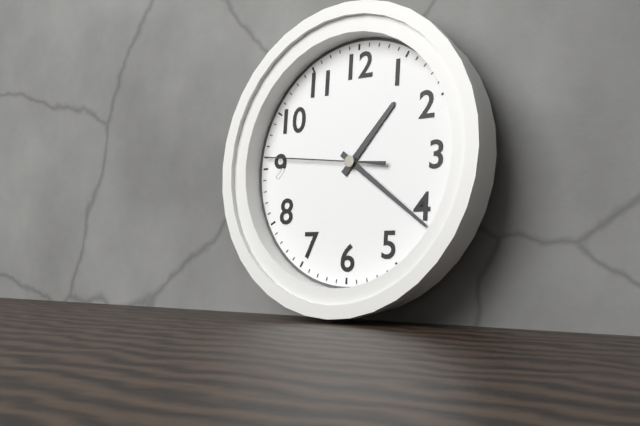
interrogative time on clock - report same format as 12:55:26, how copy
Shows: 1:21:46
